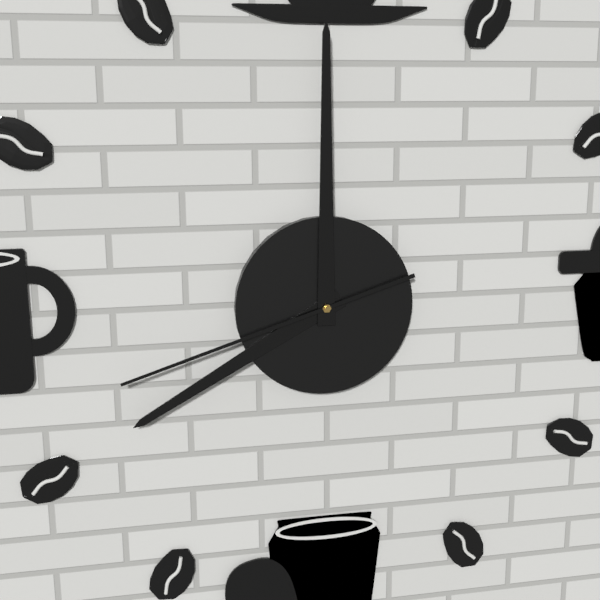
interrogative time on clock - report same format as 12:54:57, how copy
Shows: 8:00:42
